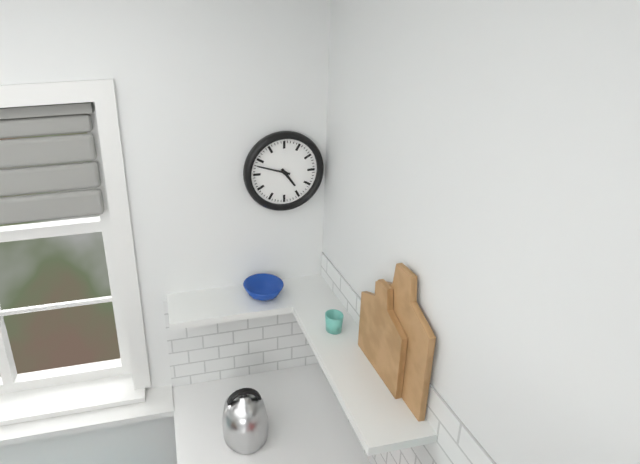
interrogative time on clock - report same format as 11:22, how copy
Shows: 4:48
